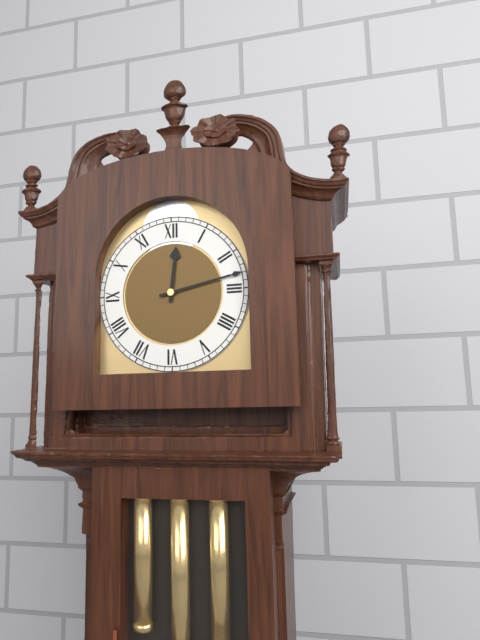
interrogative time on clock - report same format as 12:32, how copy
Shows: 12:13
